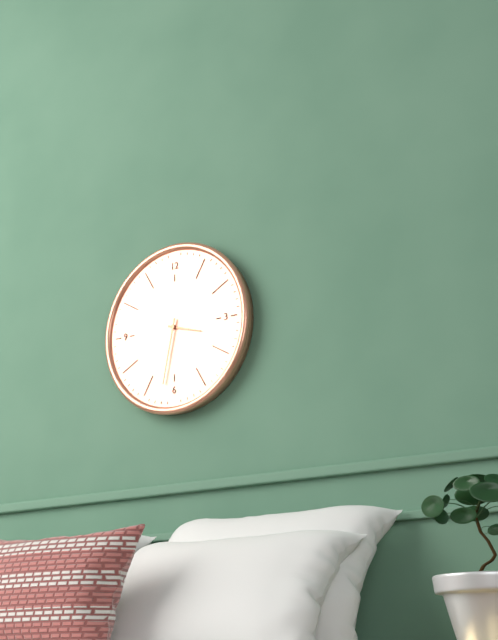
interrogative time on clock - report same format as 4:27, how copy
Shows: 3:32
